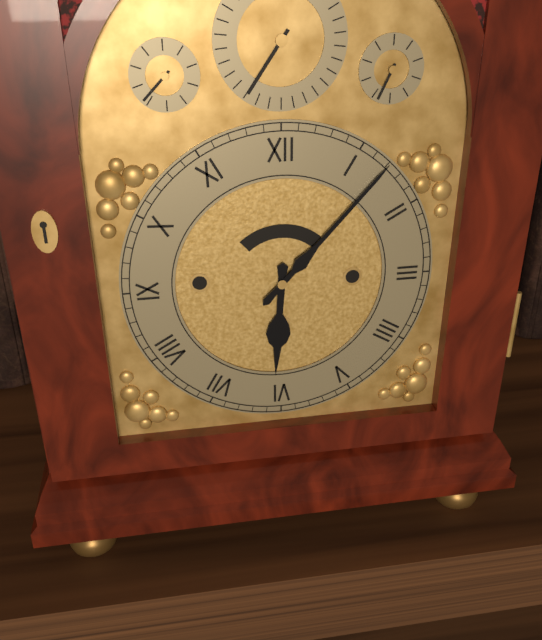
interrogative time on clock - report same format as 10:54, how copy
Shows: 6:07
